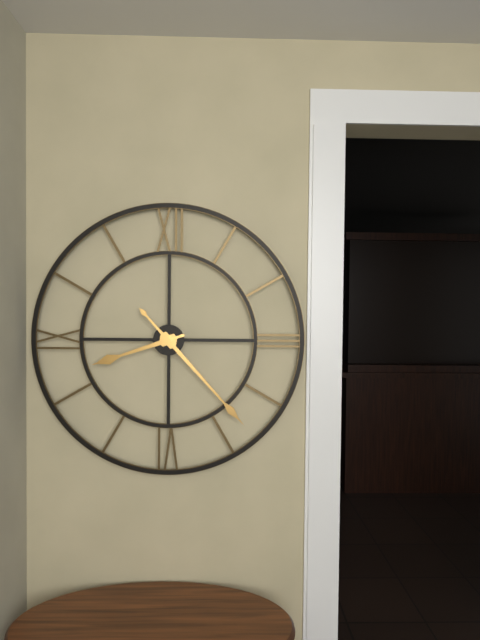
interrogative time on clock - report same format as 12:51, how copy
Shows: 8:23
